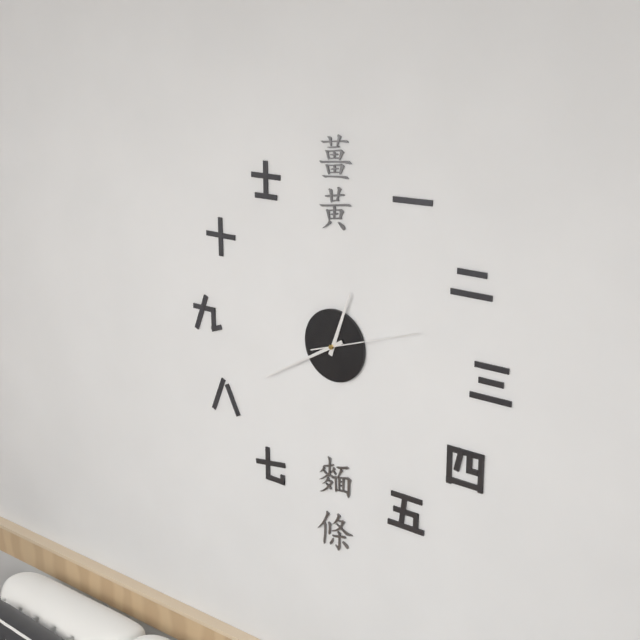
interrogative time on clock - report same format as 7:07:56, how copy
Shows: 12:40:12
